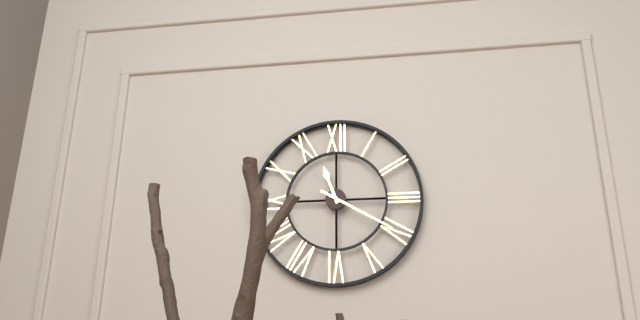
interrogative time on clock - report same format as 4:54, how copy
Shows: 11:20
